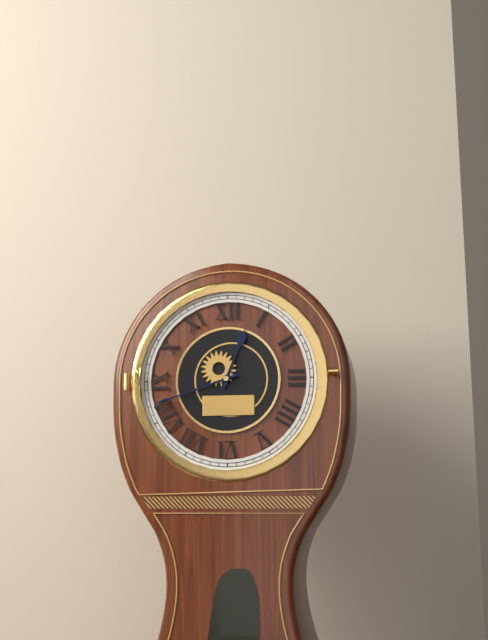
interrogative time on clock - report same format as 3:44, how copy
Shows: 12:42
